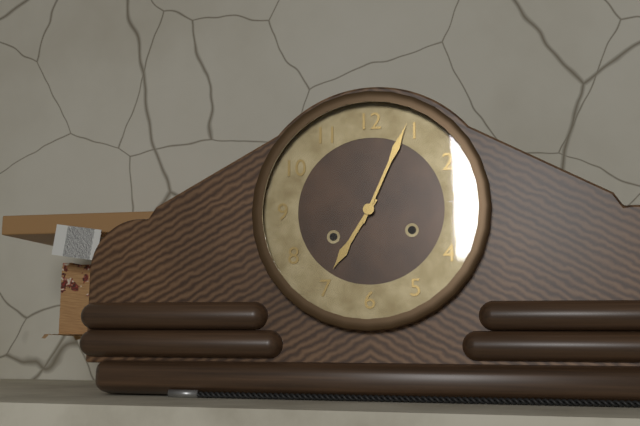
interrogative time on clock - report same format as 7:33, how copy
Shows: 7:04
